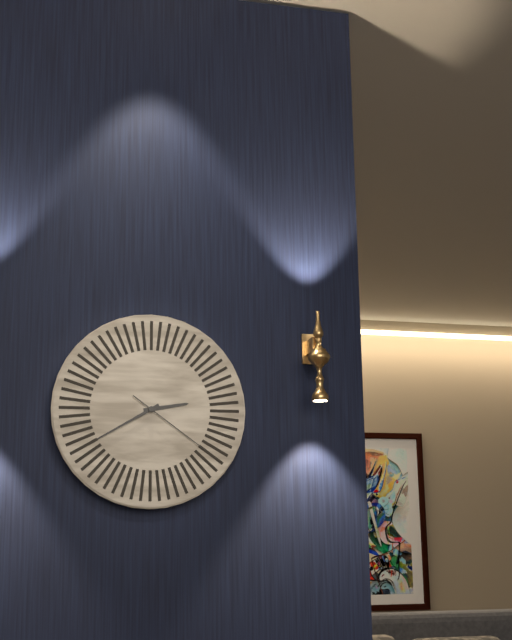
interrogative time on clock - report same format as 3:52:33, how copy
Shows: 2:40:21
